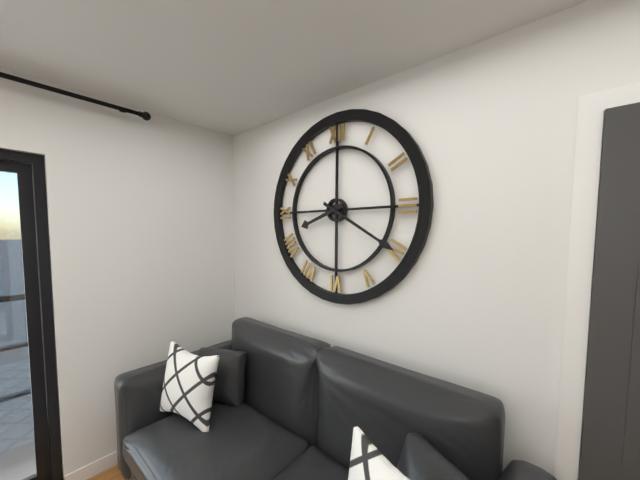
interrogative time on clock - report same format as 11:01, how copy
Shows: 8:20
